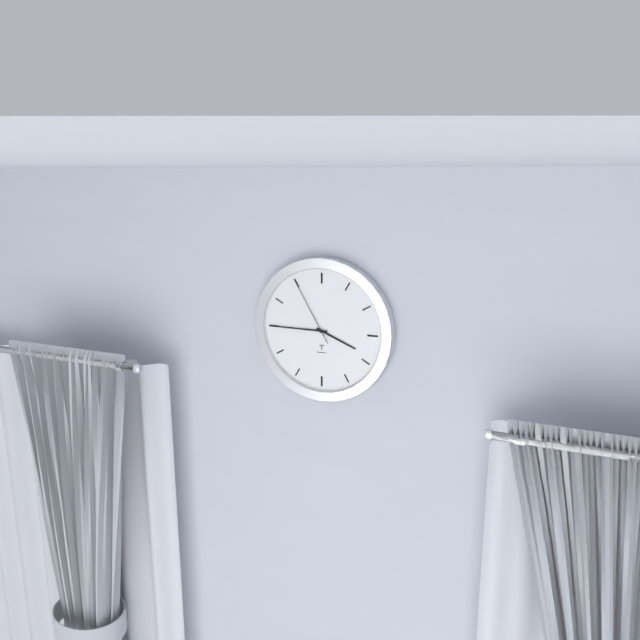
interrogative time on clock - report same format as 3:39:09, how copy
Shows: 3:45:55
